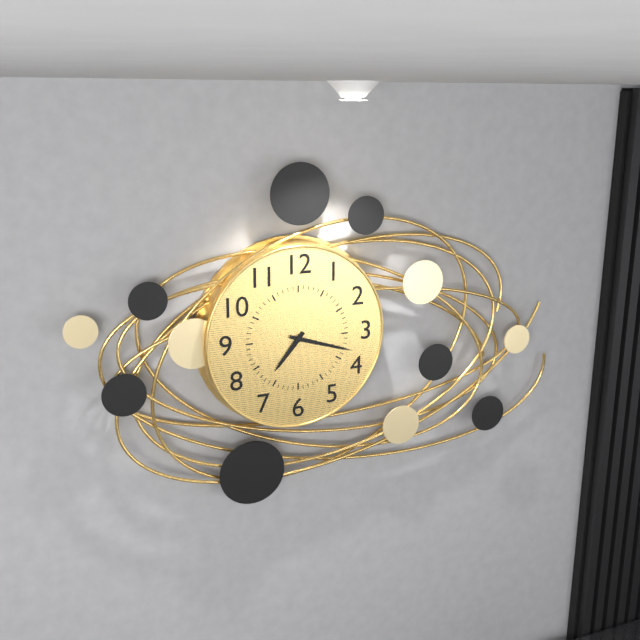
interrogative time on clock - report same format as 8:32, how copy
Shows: 7:18
